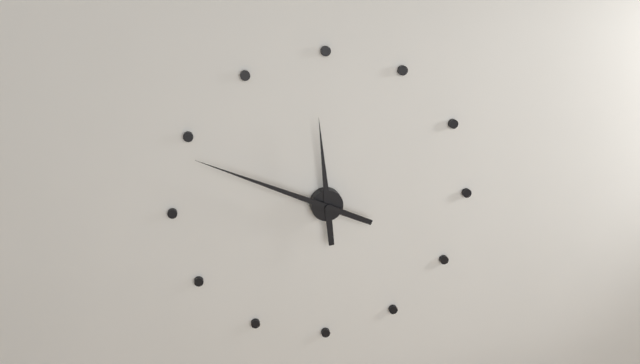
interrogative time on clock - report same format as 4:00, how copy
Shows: 11:49
